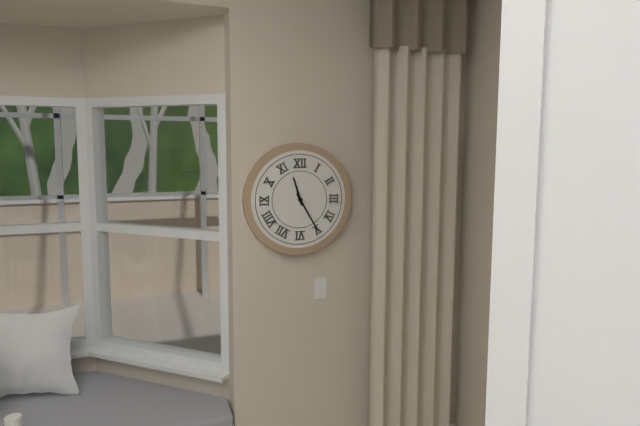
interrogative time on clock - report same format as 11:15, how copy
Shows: 11:25
